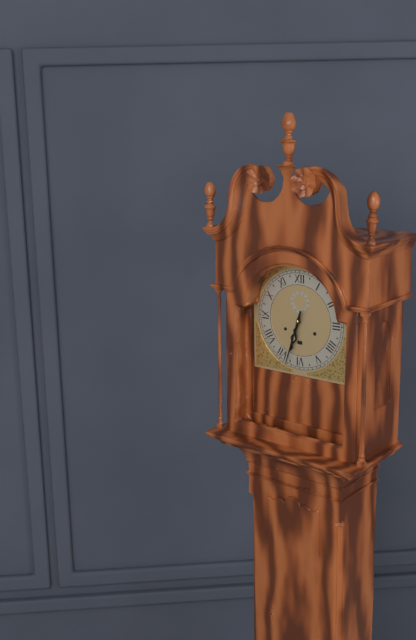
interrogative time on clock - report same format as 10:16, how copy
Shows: 6:33
